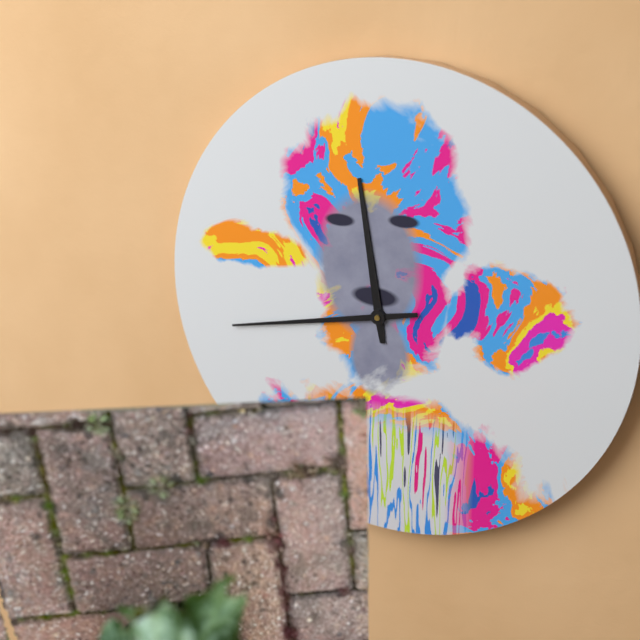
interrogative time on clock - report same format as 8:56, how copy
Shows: 11:43
